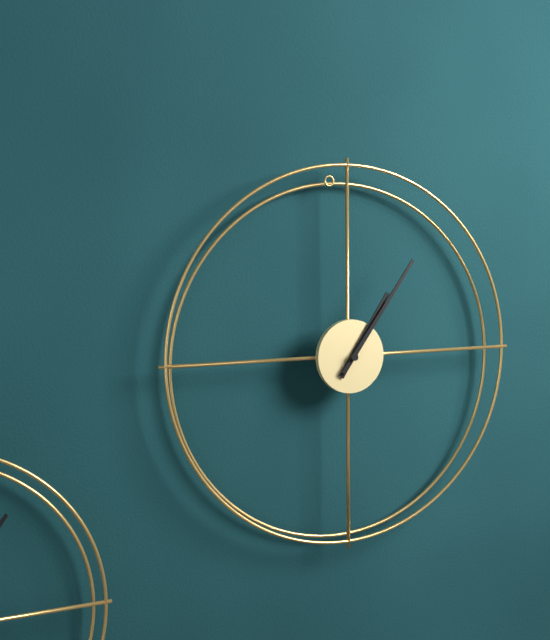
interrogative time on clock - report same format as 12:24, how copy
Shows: 1:06
